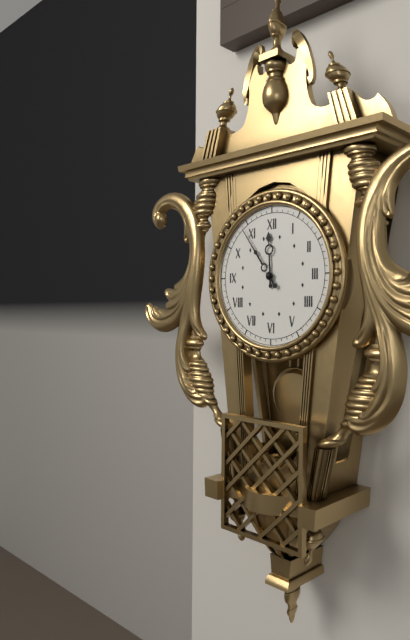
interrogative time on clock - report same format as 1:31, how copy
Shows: 11:54
